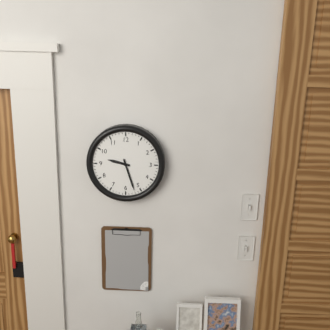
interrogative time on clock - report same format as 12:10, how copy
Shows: 9:27
